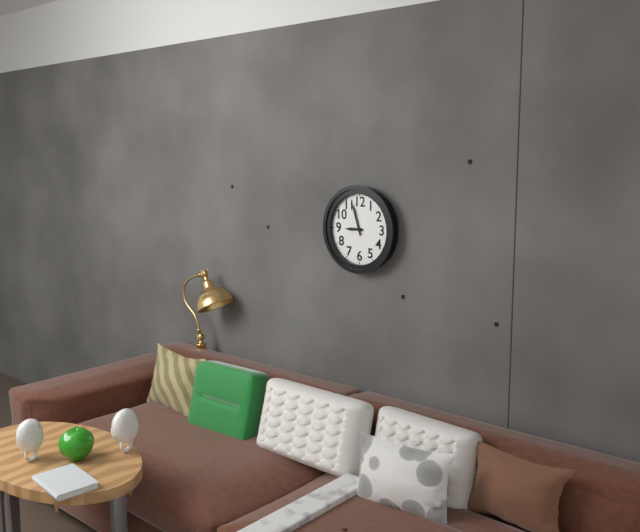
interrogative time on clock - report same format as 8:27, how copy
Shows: 8:57
